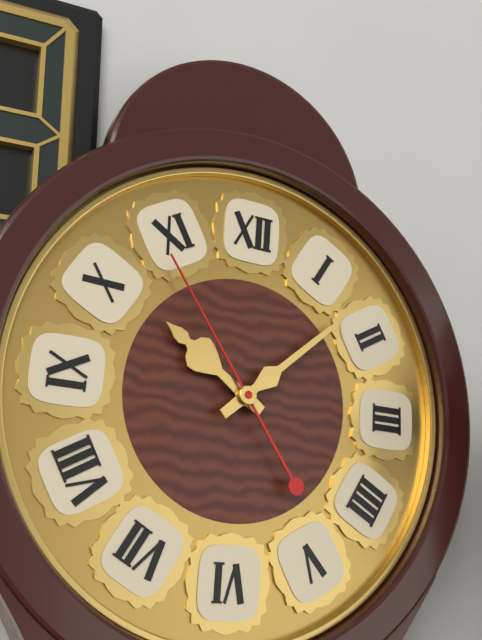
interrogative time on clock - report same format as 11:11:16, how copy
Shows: 10:08:54
